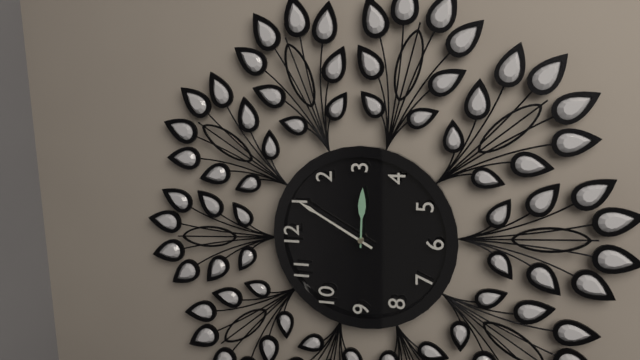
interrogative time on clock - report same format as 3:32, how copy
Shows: 3:05
